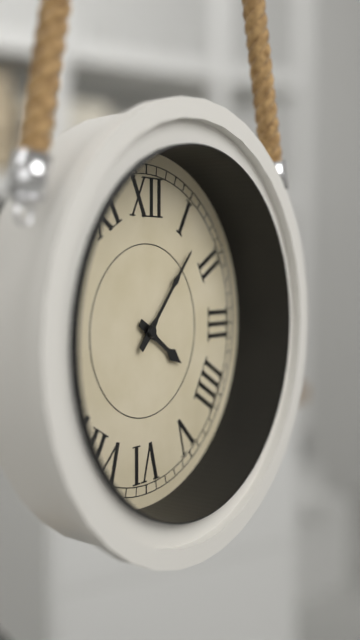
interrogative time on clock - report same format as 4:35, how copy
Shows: 4:07
